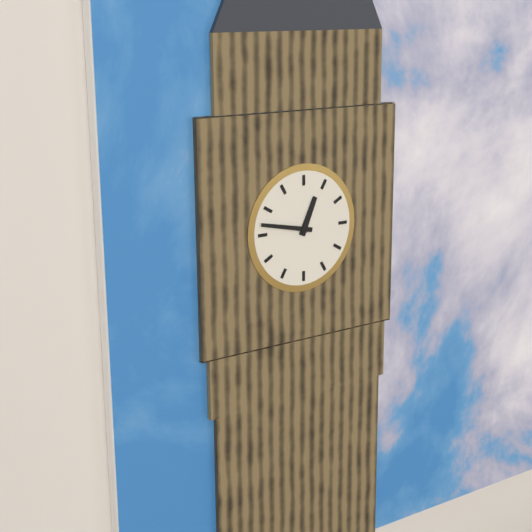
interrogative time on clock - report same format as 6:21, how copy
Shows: 12:47
